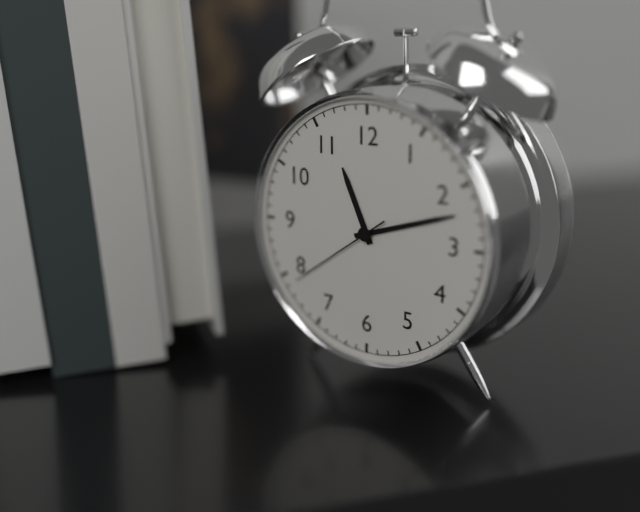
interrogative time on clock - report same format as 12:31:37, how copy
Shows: 11:12:39
